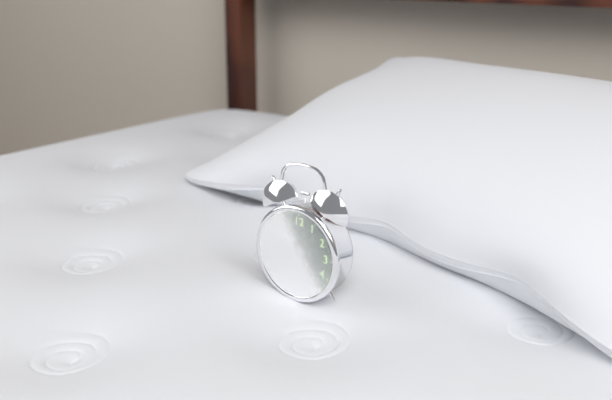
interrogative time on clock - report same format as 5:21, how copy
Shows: 8:46
